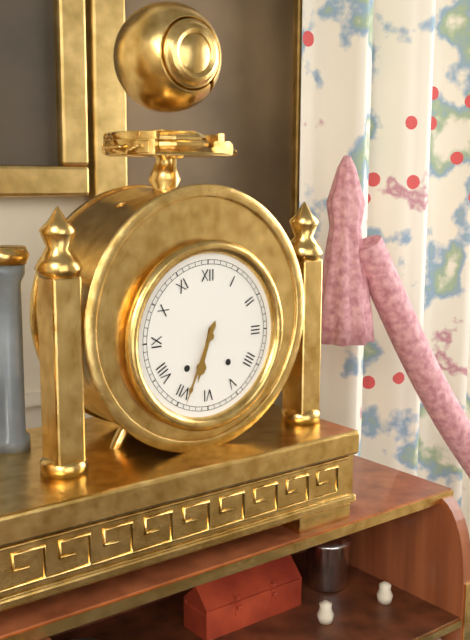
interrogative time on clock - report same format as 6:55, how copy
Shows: 6:34
